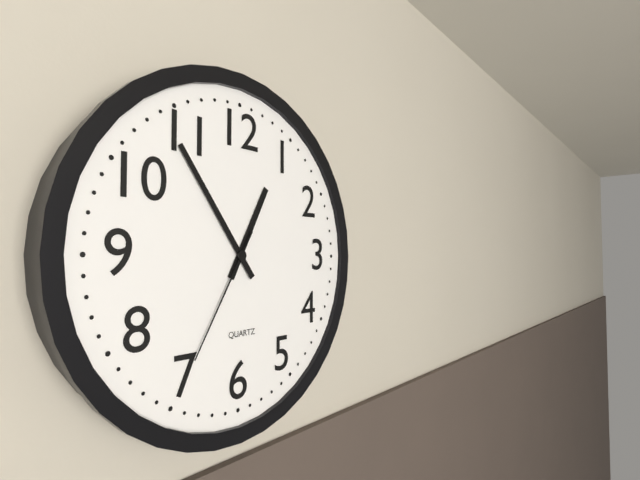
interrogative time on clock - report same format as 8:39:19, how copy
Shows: 12:54:35
